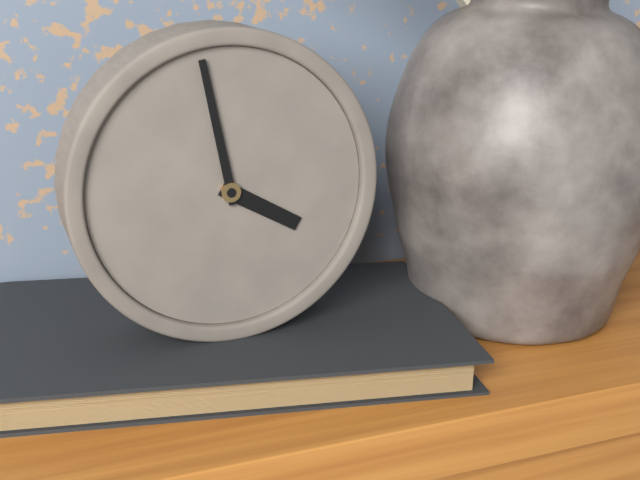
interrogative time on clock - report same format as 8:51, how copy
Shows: 3:58
